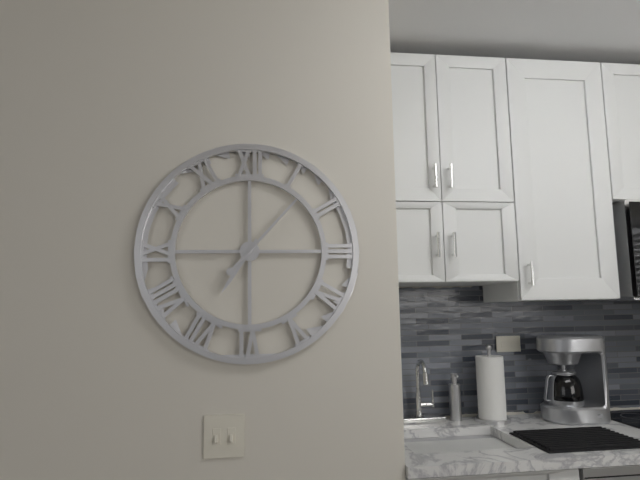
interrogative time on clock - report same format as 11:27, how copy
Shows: 7:07
